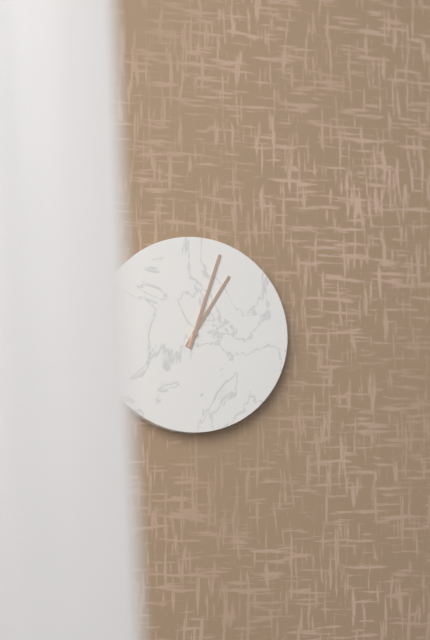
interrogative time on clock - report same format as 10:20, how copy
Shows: 1:03
